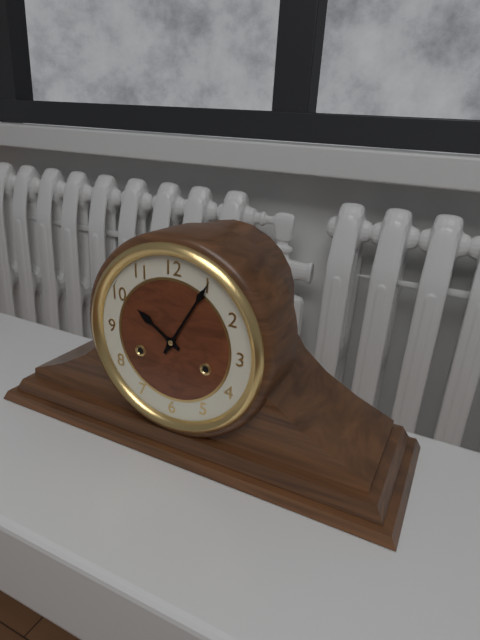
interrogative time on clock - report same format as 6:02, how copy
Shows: 10:05
